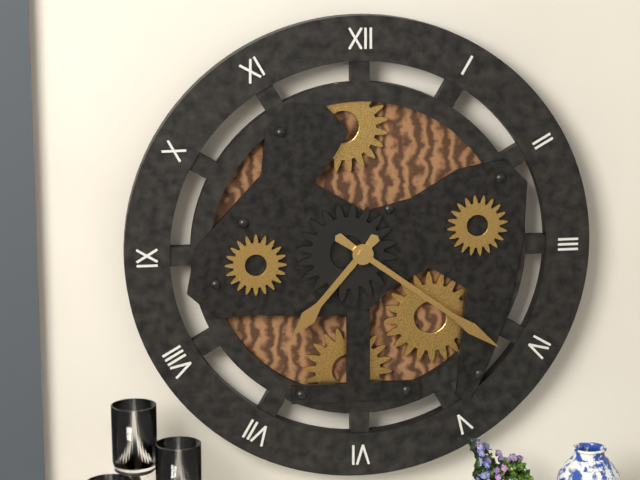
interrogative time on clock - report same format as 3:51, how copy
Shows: 7:21
